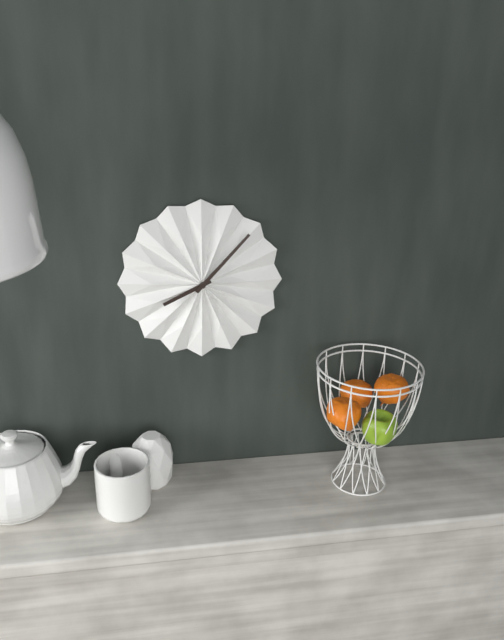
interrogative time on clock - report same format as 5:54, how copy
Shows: 8:07
